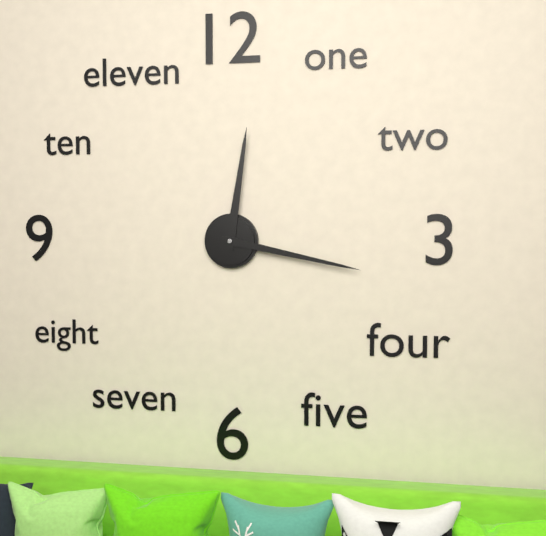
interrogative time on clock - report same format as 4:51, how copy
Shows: 12:17
